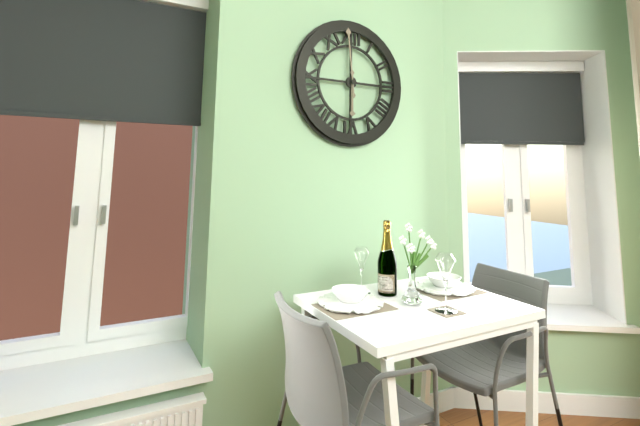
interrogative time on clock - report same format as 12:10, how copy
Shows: 5:59
